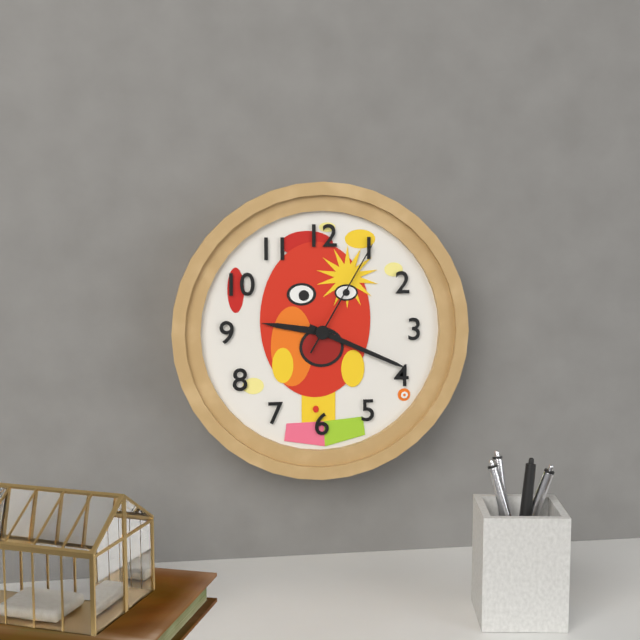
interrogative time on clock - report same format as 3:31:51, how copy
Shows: 9:19:05
